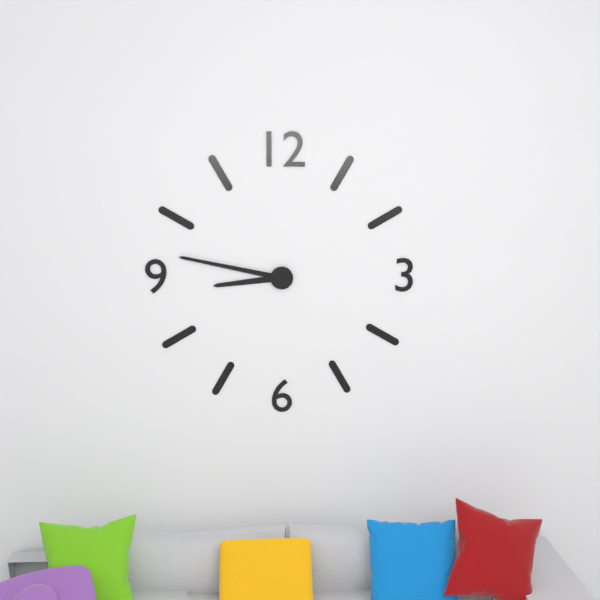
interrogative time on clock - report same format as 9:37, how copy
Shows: 8:47
